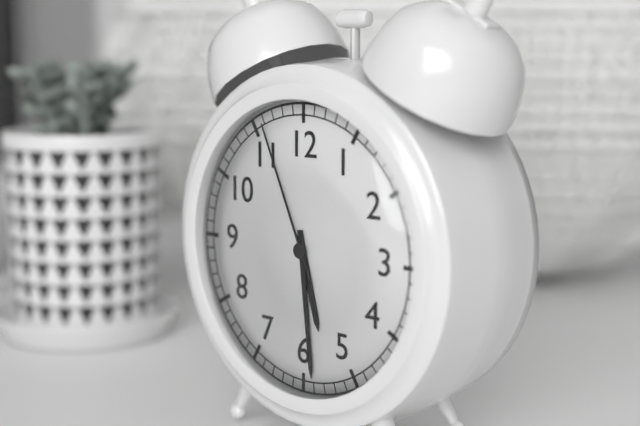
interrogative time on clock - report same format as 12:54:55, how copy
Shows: 5:29:56
